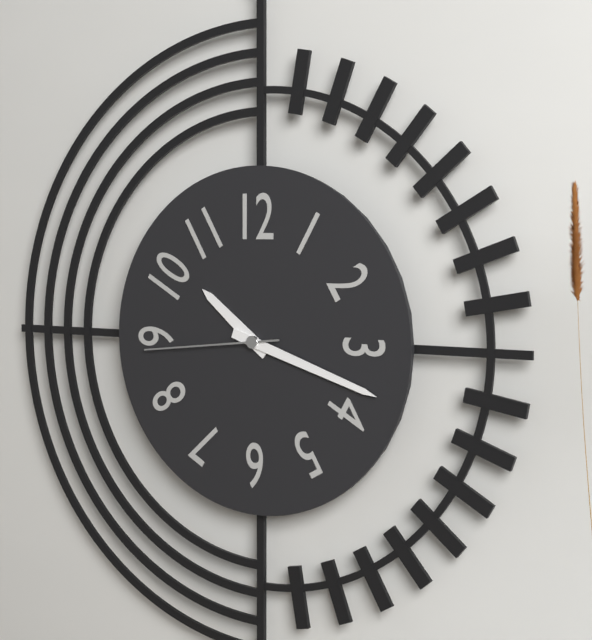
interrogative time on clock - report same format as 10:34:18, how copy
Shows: 10:18:44
